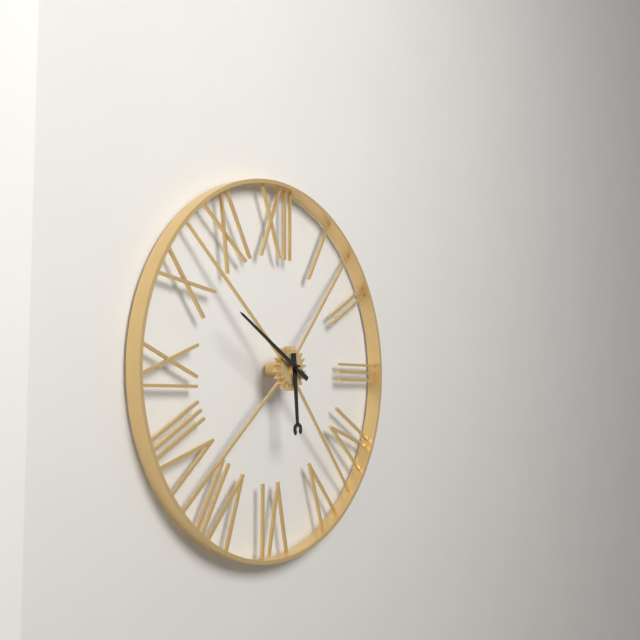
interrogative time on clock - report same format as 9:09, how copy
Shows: 5:50
